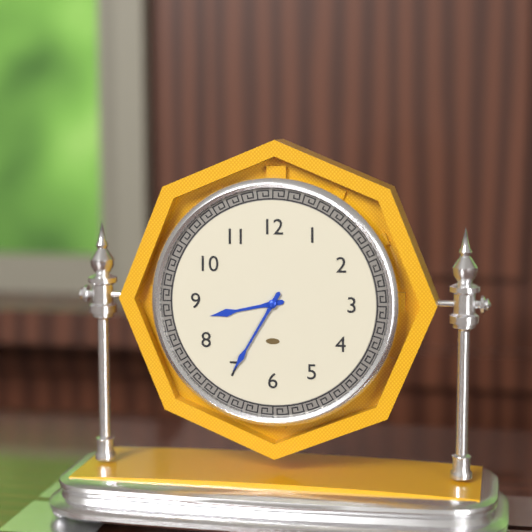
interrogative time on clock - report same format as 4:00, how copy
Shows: 8:35
